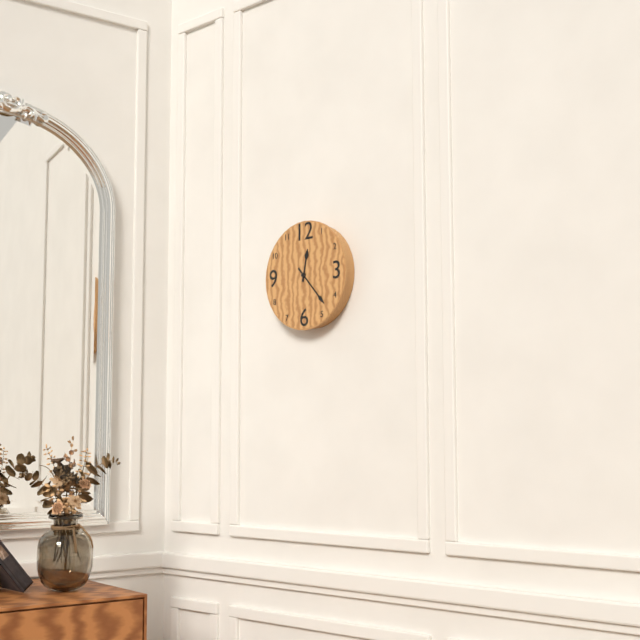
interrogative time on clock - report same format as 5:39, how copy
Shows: 12:23
